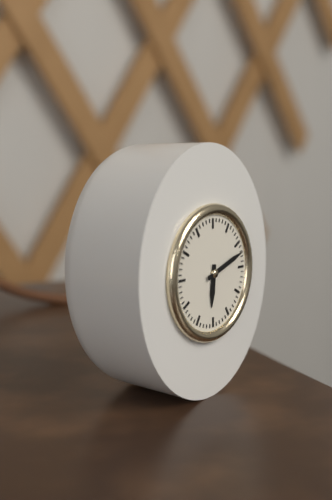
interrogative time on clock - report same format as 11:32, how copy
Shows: 6:12
